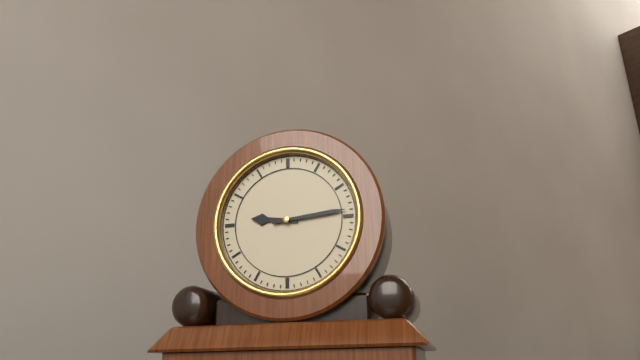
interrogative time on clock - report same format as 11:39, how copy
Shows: 9:14
